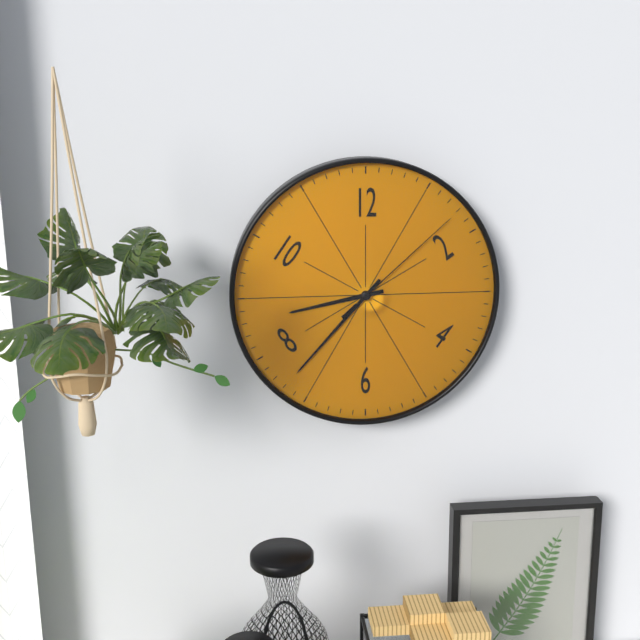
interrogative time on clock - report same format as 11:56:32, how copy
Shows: 8:37:08
